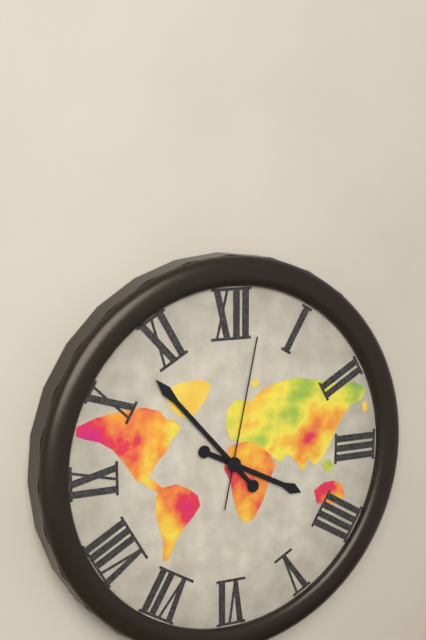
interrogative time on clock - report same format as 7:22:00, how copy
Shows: 3:53:02
